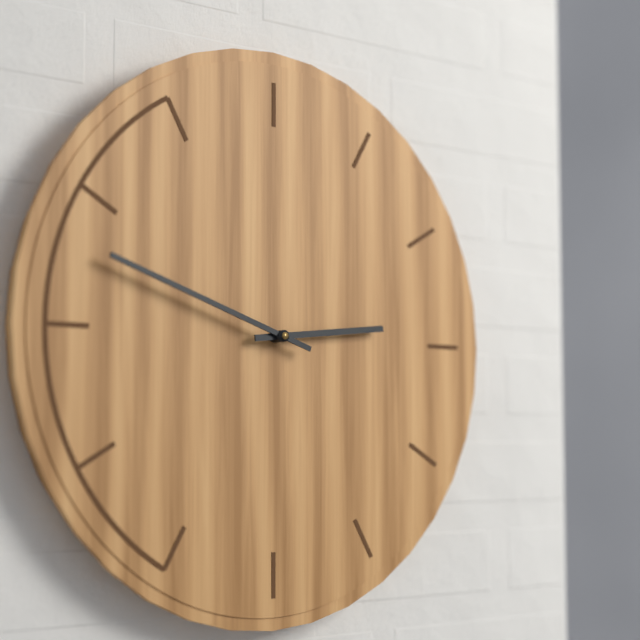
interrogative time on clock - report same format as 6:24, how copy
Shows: 2:48
